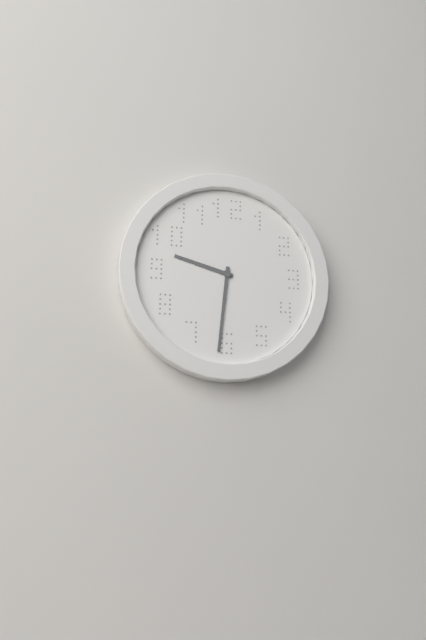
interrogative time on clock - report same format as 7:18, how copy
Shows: 9:31
